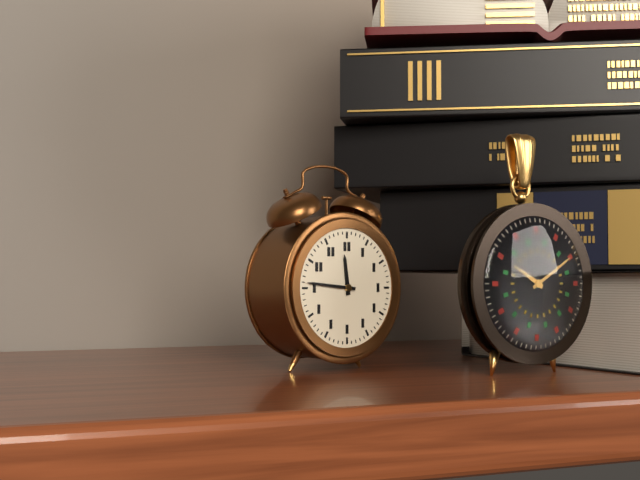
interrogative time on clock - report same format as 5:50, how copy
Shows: 11:46
